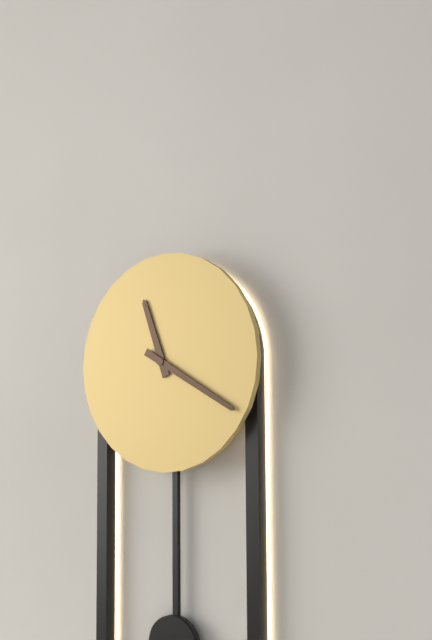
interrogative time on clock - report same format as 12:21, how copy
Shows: 11:20
